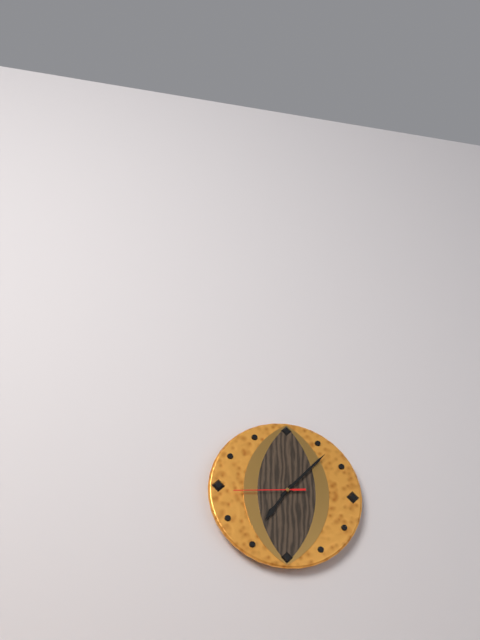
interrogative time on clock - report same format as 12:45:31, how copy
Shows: 7:07:44
